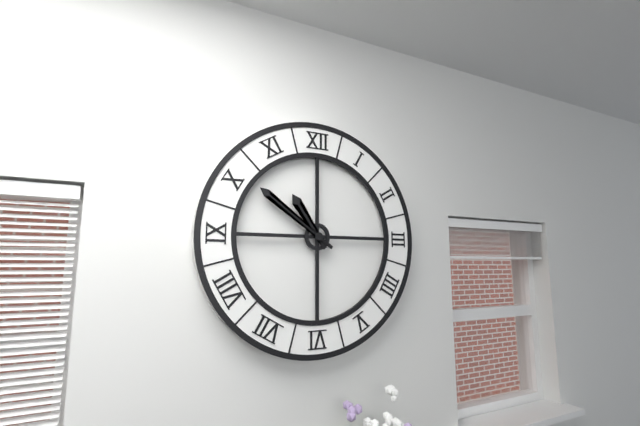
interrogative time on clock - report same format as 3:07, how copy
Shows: 10:51
